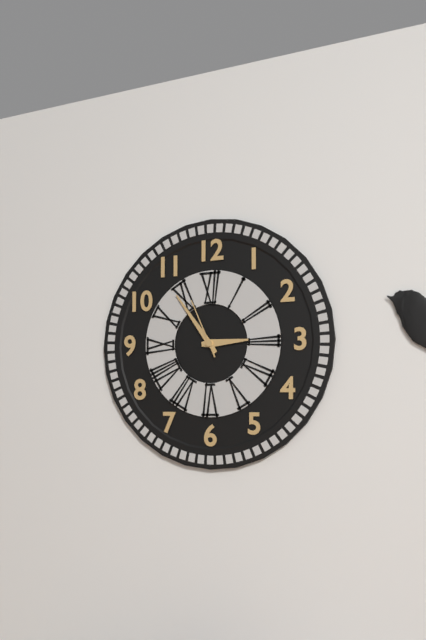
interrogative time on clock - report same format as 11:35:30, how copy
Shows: 2:54:56
